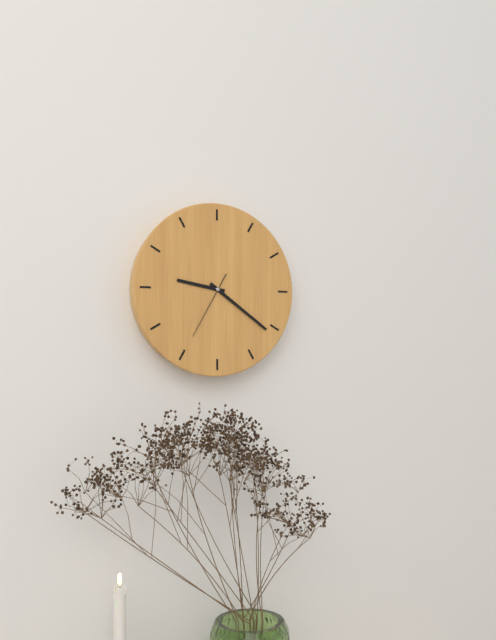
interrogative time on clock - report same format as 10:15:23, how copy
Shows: 9:21:35
